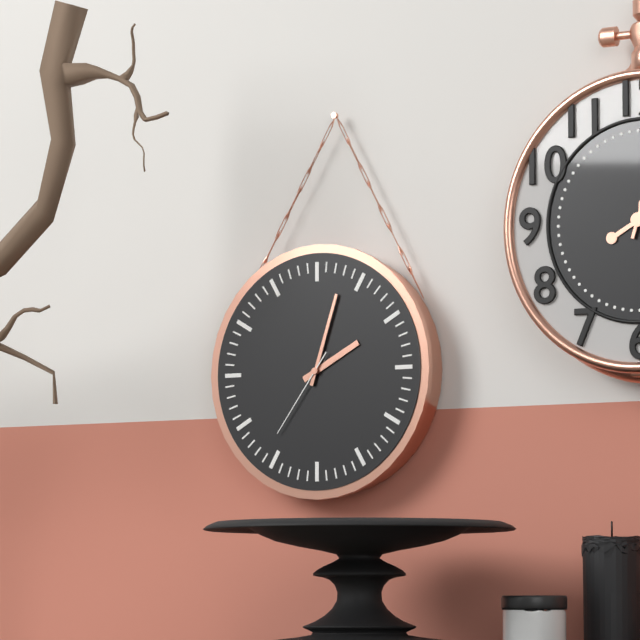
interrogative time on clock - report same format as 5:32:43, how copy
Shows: 2:03:36
